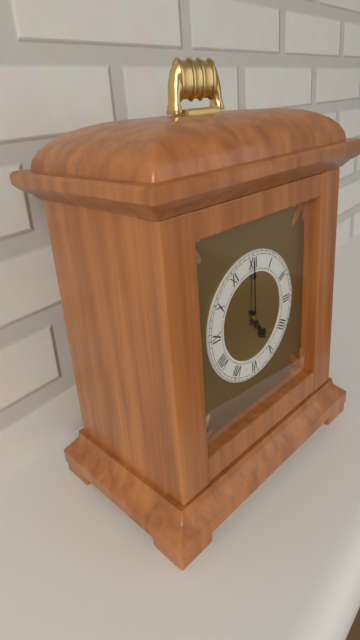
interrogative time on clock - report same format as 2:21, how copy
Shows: 5:00
